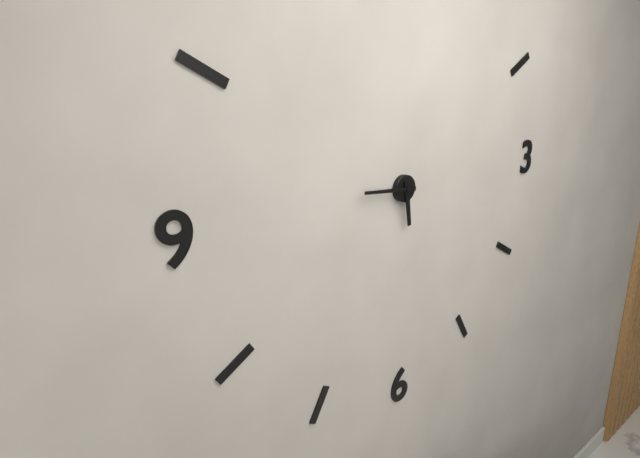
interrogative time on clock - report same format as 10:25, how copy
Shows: 5:46
